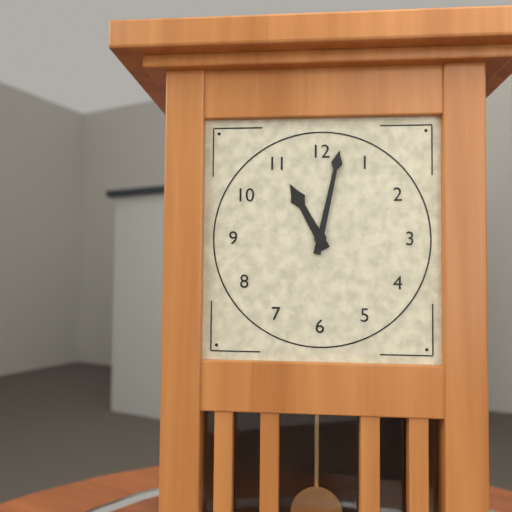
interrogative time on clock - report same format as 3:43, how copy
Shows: 11:02
